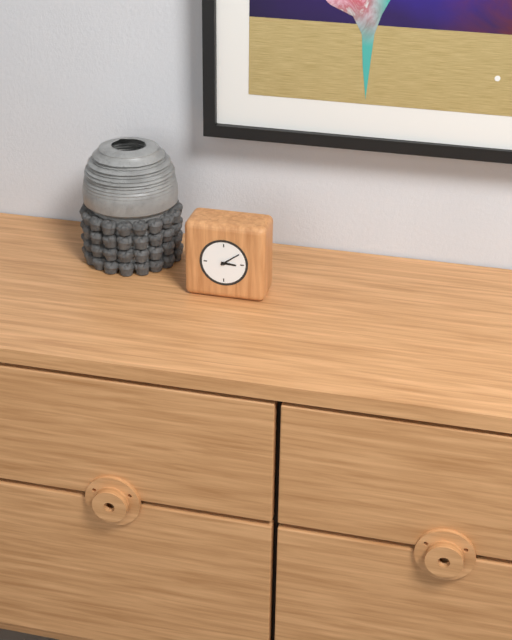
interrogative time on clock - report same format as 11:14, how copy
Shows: 3:09
